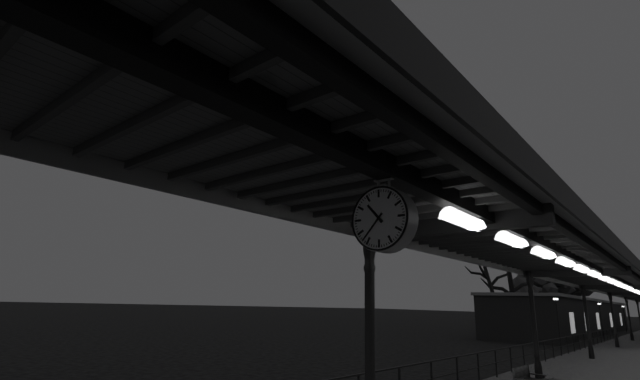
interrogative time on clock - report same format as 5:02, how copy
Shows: 10:37
